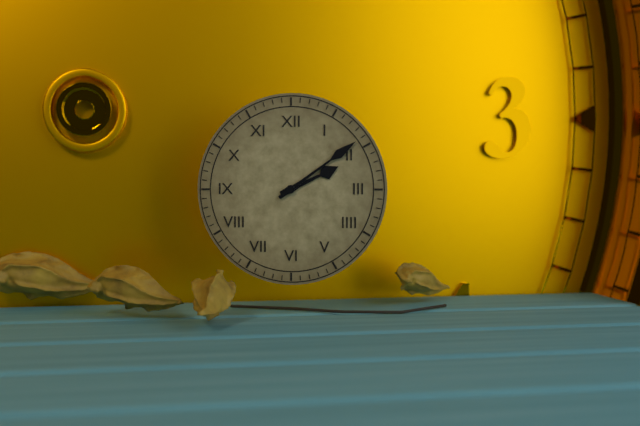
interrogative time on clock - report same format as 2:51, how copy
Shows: 2:09
